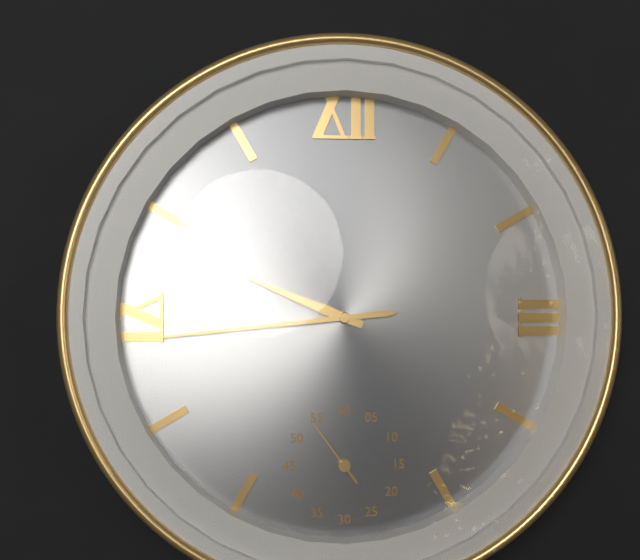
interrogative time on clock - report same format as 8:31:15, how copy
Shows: 9:44:54
